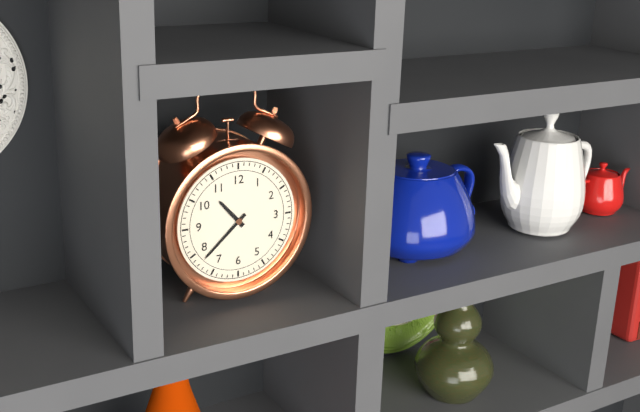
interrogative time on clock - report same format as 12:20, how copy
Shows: 10:38
